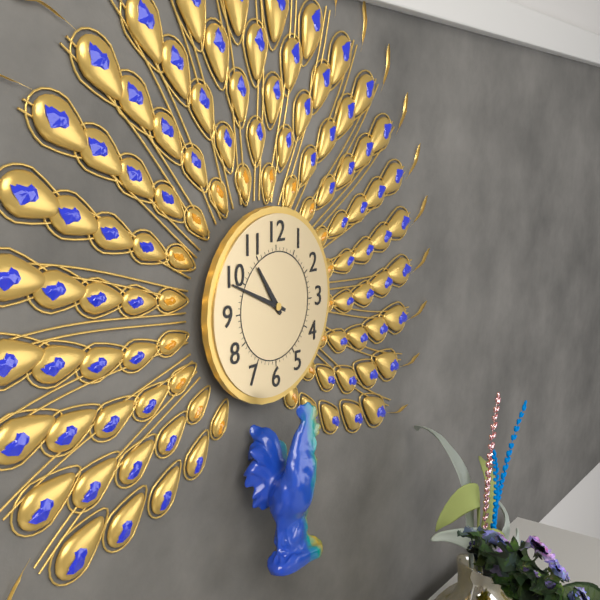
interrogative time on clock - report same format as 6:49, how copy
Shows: 10:49
